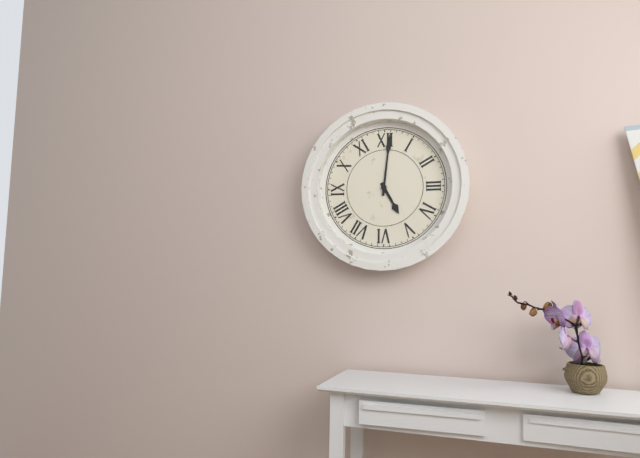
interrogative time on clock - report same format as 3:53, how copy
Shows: 5:01
